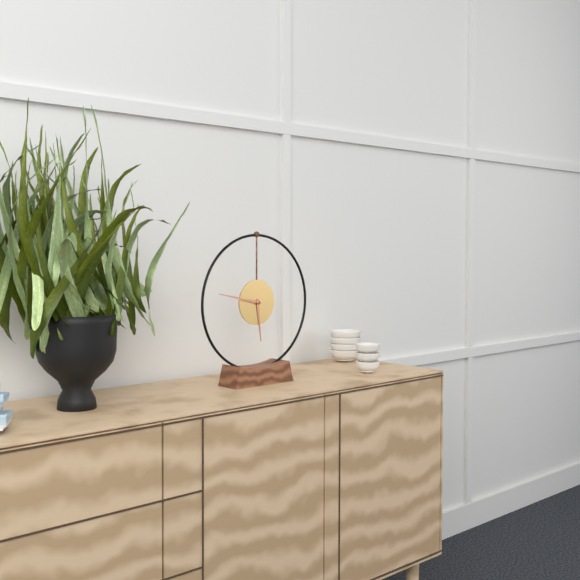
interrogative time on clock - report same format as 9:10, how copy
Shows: 5:47
